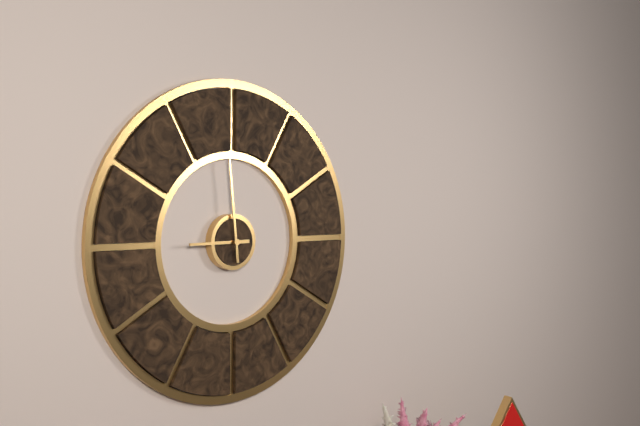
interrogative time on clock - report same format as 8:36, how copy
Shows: 8:59
